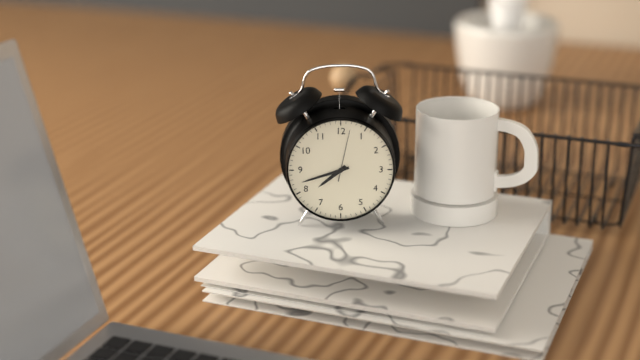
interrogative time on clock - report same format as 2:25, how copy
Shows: 7:42
